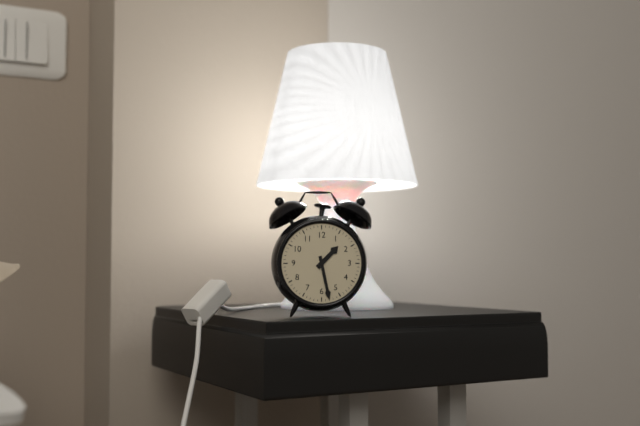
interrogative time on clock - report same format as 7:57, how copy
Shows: 1:28
